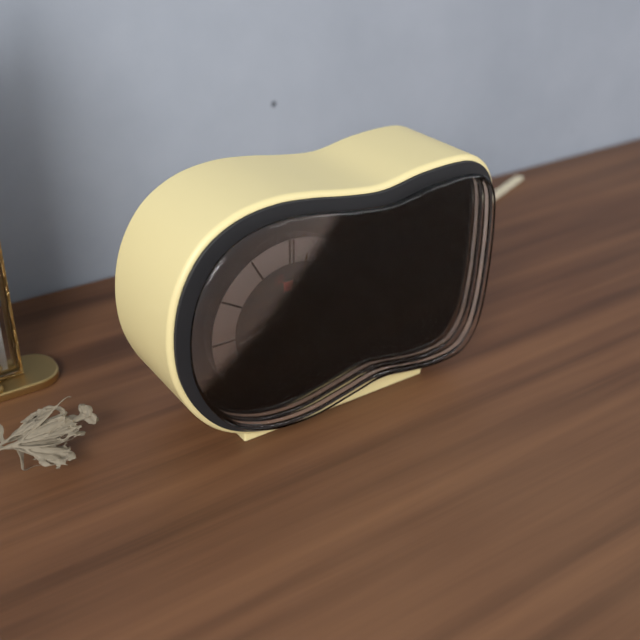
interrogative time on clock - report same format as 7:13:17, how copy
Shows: 8:23:02
